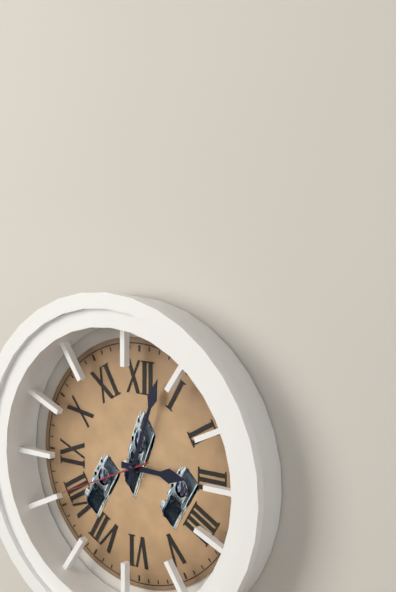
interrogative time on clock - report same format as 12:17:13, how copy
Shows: 3:03:41
